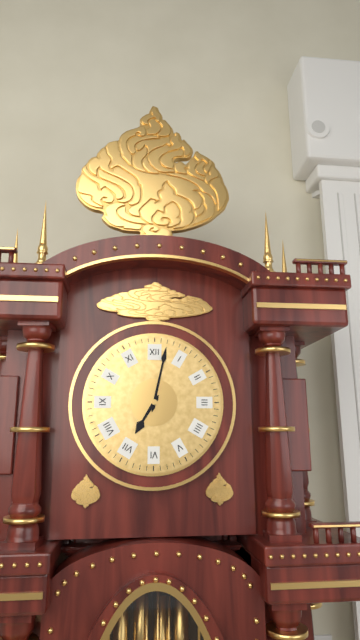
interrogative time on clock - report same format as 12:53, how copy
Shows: 7:02
